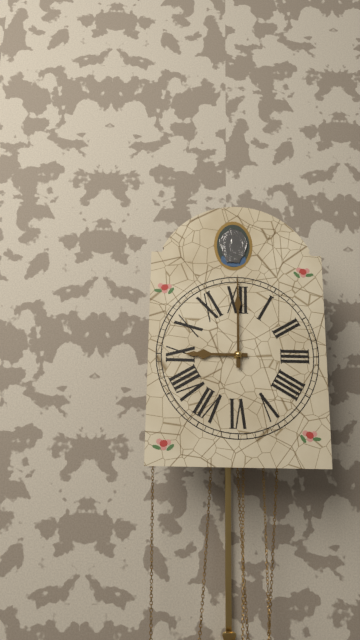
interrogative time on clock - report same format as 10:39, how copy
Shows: 9:00
